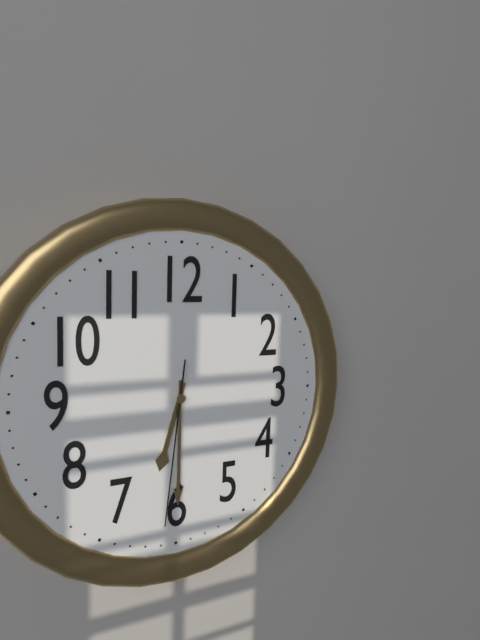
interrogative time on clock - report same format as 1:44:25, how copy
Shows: 6:30:31
